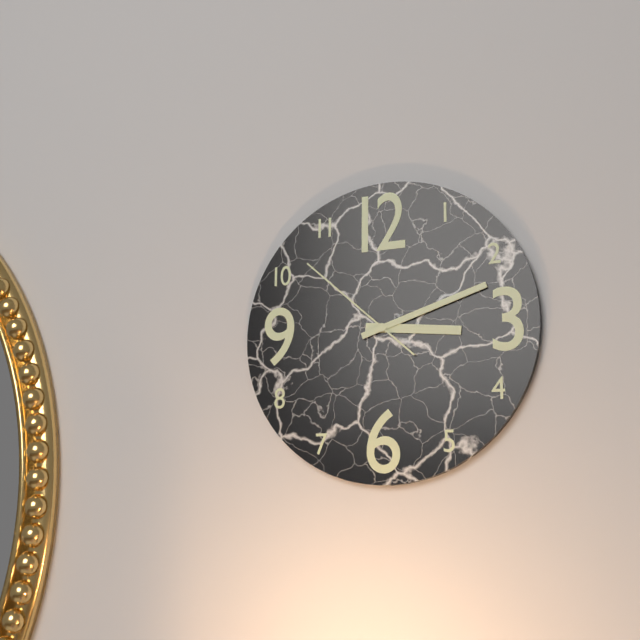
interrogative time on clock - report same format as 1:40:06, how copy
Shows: 3:12:52
